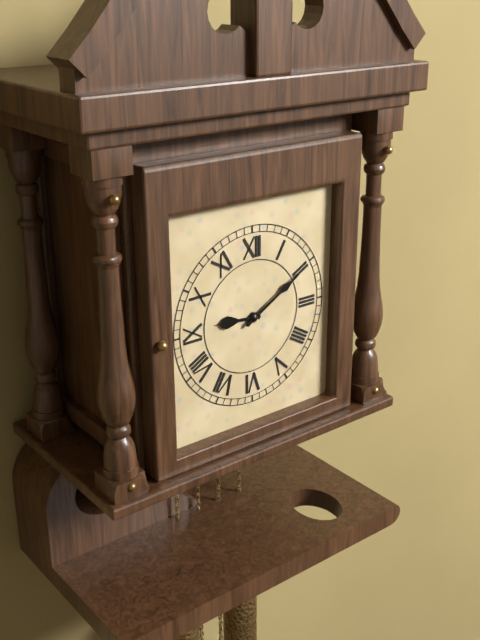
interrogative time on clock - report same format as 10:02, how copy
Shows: 9:10
